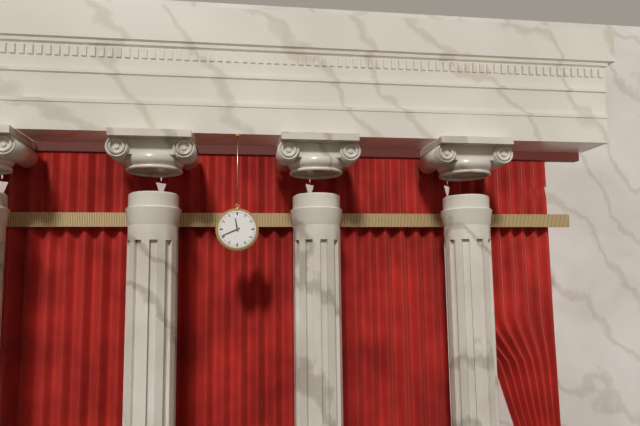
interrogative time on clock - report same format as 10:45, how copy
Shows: 11:41
